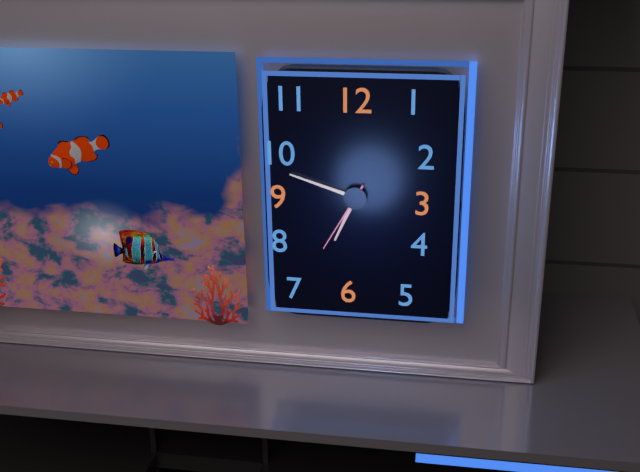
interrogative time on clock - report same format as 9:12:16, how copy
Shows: 6:48:35
